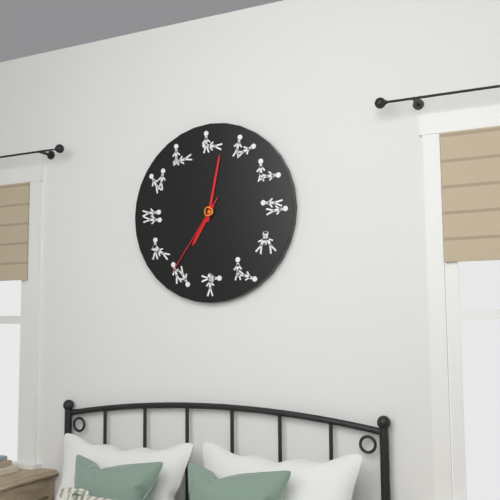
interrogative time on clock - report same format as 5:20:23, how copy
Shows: 7:02:36
